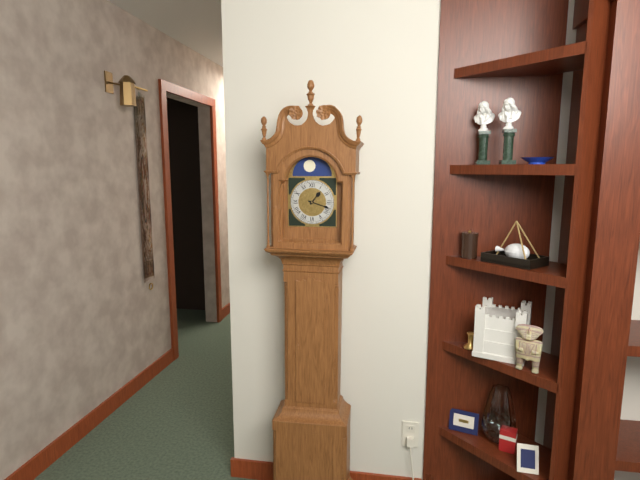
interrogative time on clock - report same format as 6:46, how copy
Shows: 1:18
